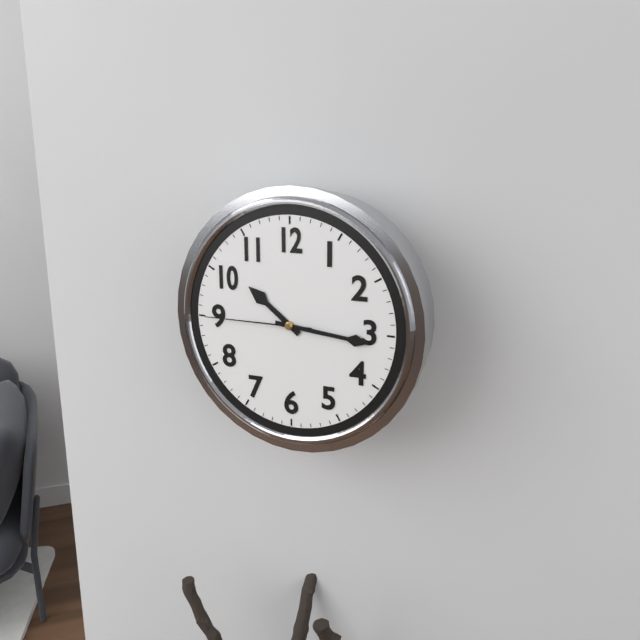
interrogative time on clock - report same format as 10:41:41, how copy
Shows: 10:16:45
